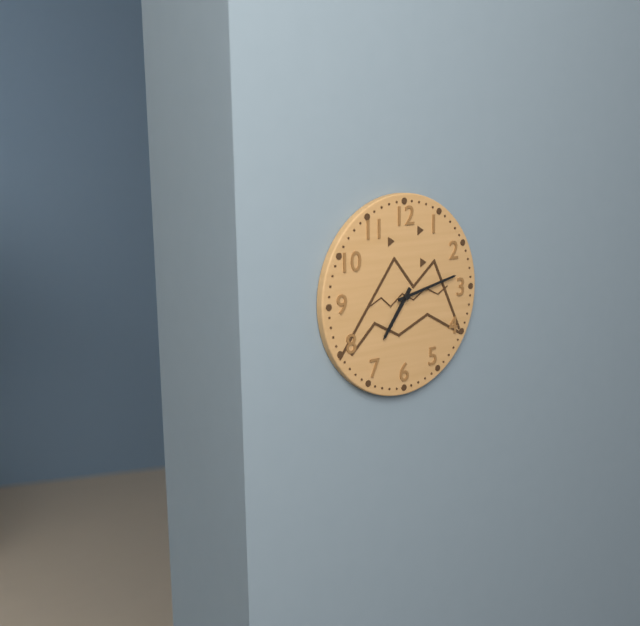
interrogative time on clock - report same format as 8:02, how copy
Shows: 7:13
